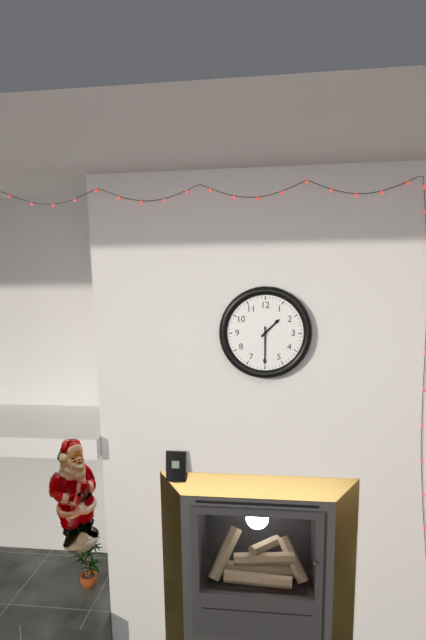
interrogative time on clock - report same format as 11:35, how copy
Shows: 1:30
